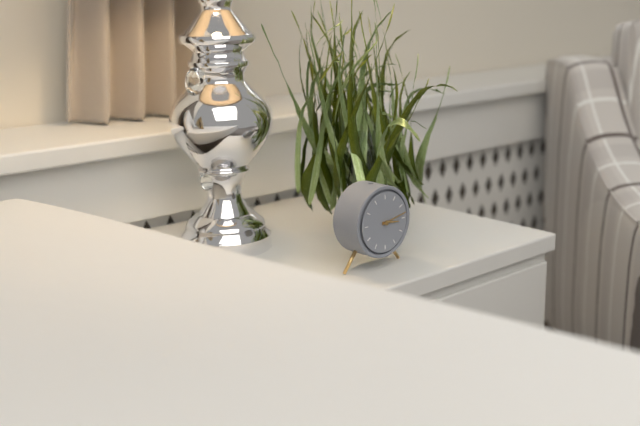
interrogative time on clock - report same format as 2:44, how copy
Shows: 3:13
